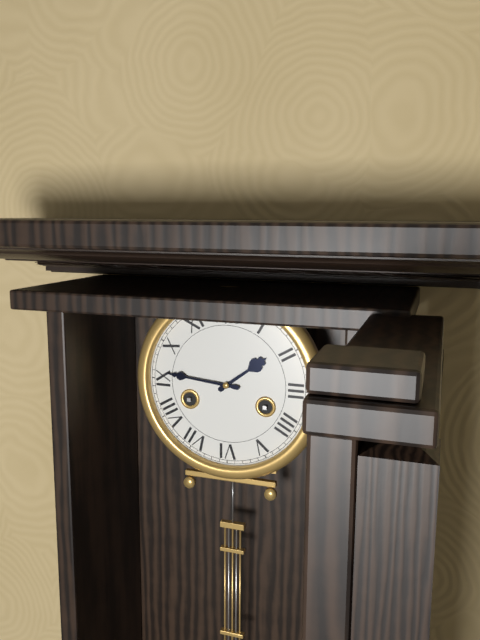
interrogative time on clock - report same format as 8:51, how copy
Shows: 1:46
